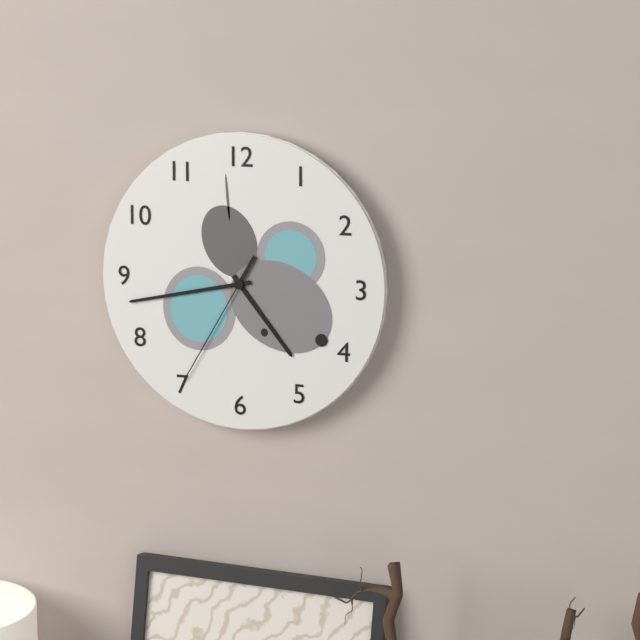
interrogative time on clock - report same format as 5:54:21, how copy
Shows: 4:43:35
